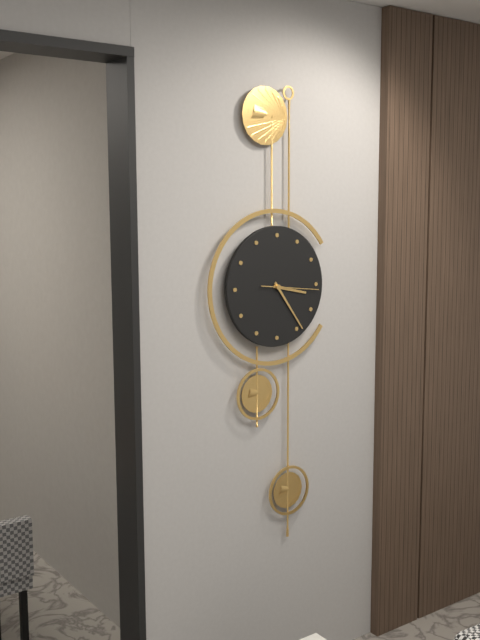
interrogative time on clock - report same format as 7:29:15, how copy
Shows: 3:24:16
